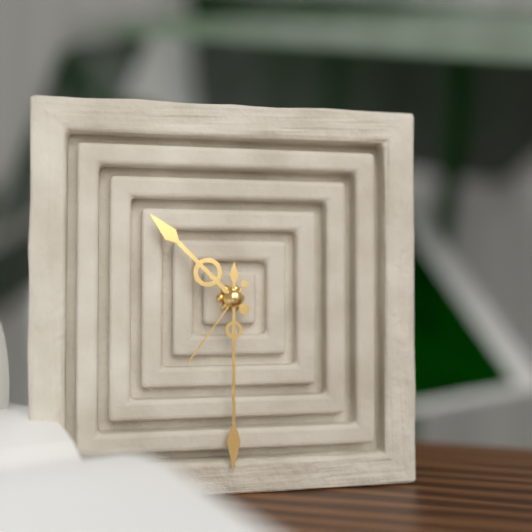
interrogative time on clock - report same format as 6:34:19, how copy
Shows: 10:30:36
